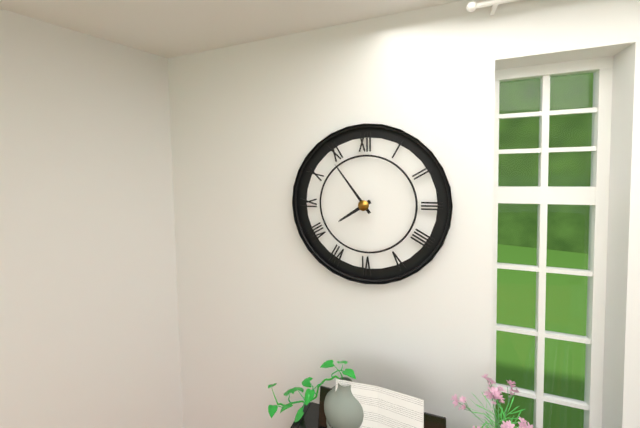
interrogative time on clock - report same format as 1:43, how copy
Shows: 7:54
